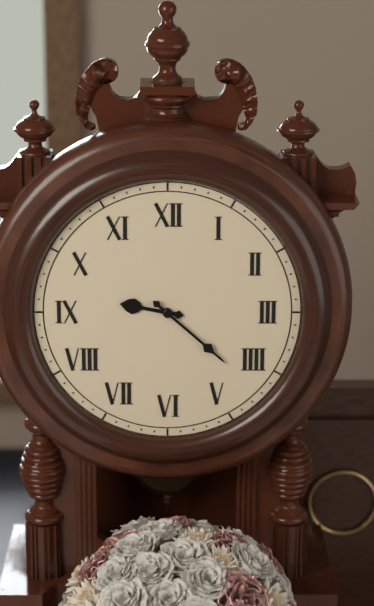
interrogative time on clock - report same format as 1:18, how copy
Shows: 9:22
